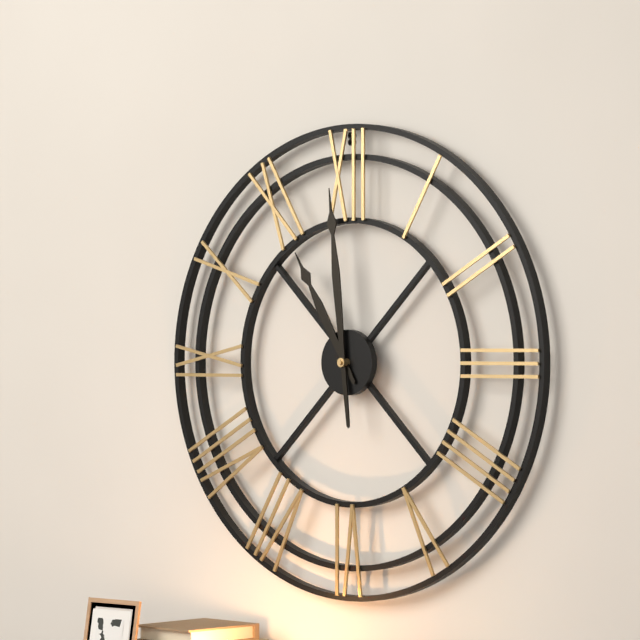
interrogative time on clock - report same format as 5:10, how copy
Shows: 10:59
